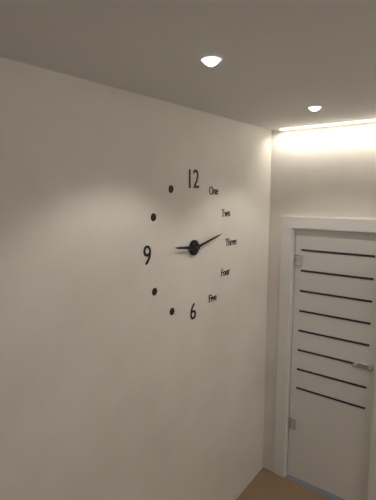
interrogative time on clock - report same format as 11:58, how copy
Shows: 9:13
